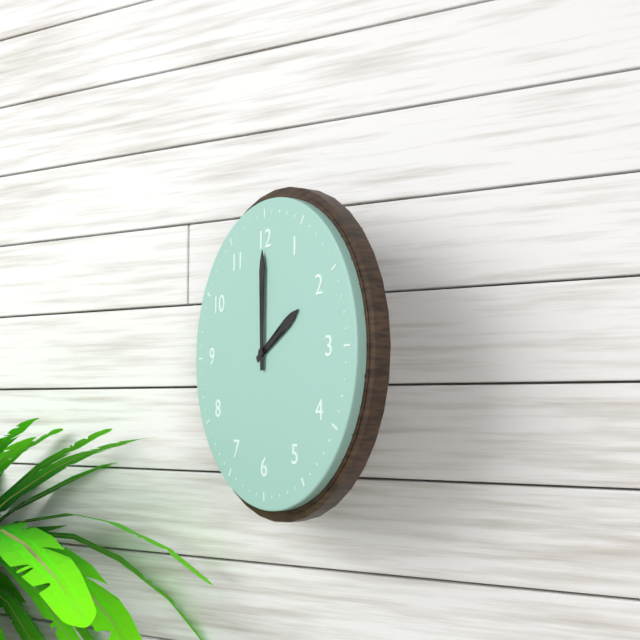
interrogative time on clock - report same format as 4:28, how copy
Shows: 2:00
